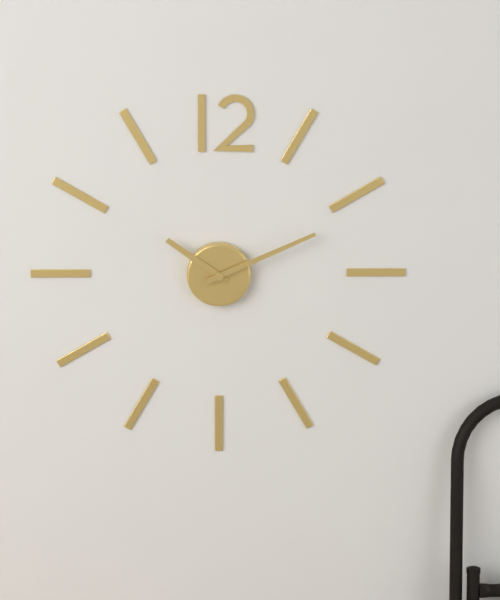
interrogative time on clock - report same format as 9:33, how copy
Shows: 10:11
